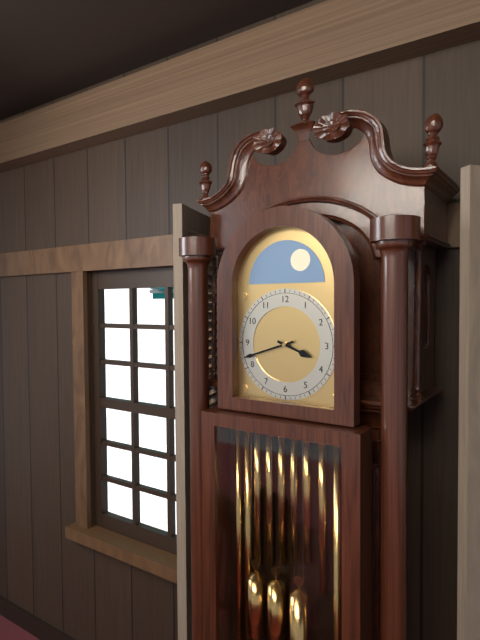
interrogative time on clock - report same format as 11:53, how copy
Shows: 3:42
